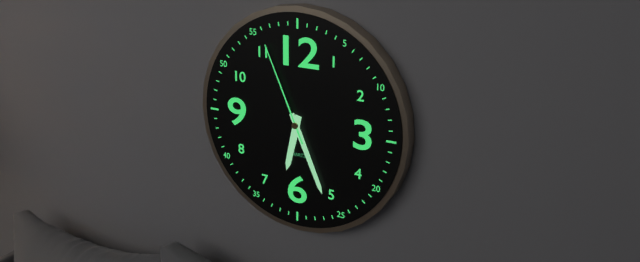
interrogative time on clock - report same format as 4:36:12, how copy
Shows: 6:26:56
